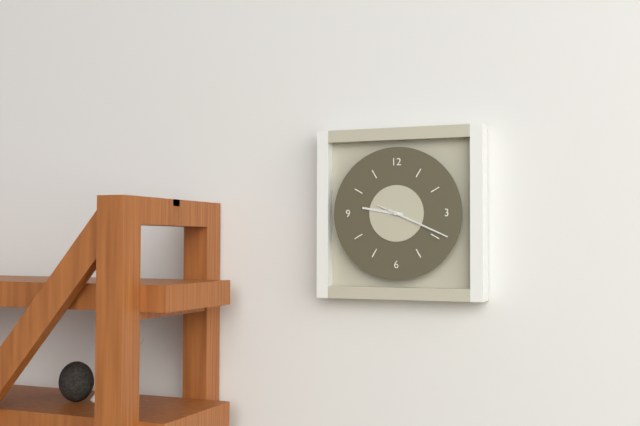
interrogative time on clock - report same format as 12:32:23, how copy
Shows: 9:19:19
